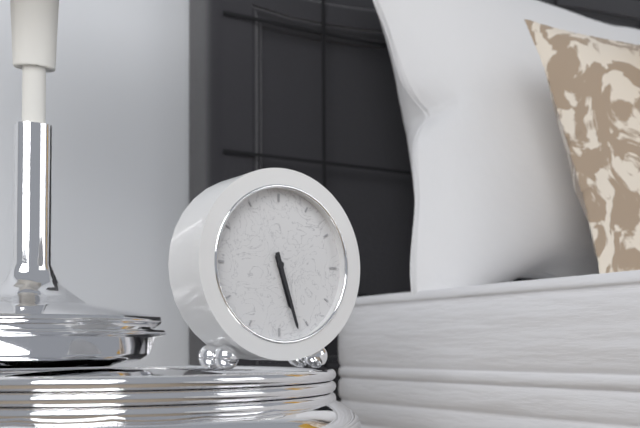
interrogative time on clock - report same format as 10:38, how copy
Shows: 5:27
